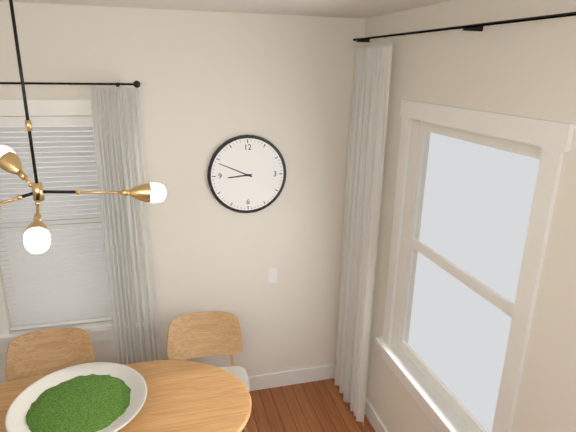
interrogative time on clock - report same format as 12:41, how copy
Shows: 8:49
